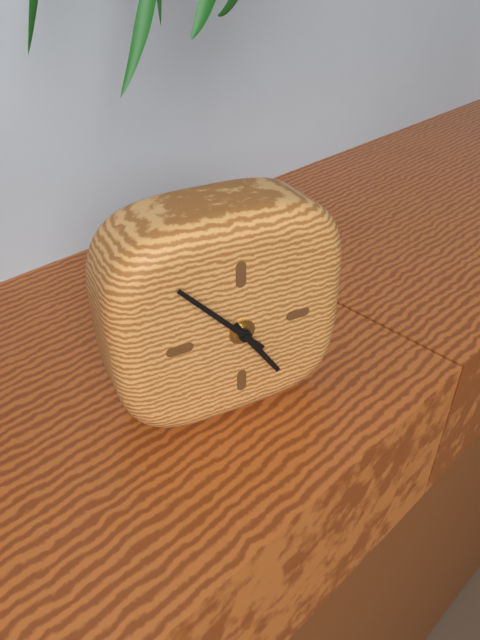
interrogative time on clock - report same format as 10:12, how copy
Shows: 4:53
